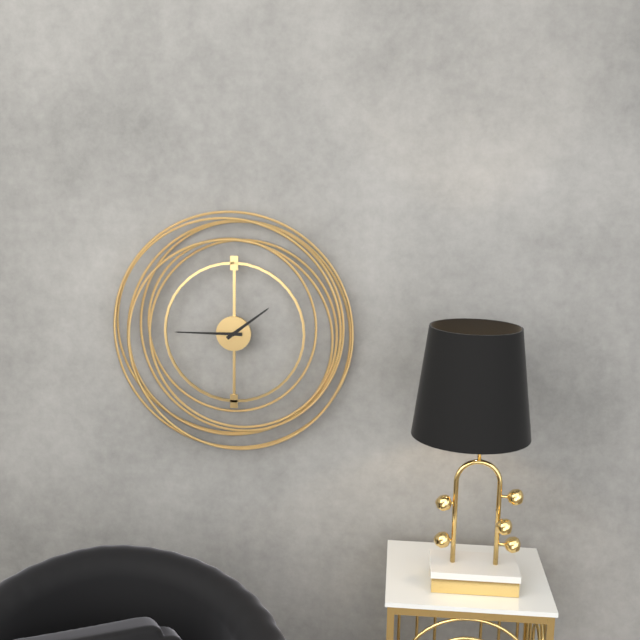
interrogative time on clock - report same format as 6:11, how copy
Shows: 1:45
